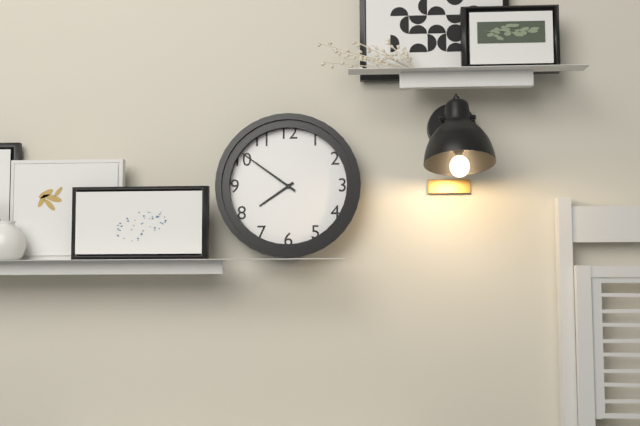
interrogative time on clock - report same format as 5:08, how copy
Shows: 7:51
